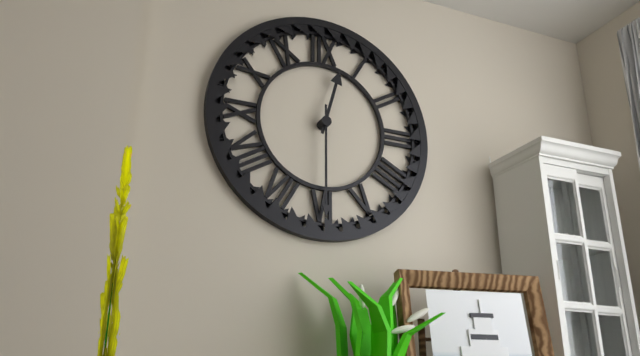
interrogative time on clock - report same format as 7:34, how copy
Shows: 12:30
